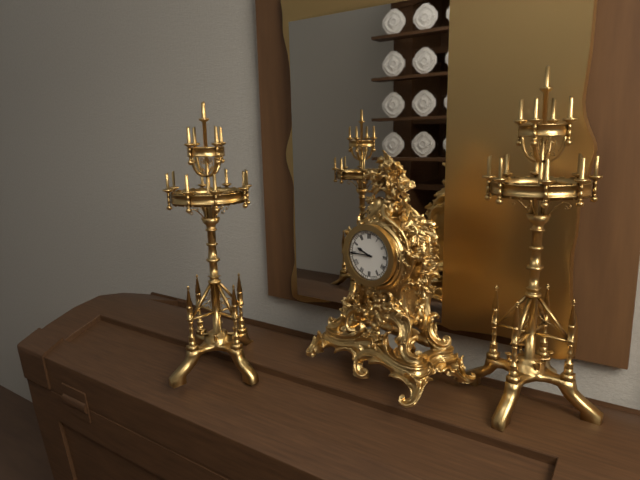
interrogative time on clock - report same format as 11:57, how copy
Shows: 9:45
